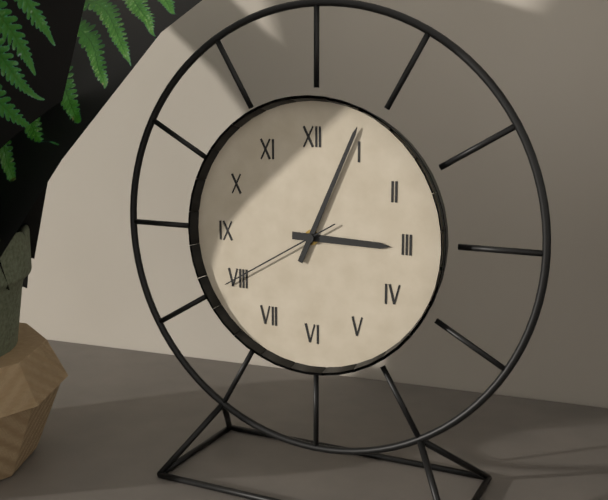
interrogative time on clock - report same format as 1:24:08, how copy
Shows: 3:04:40
